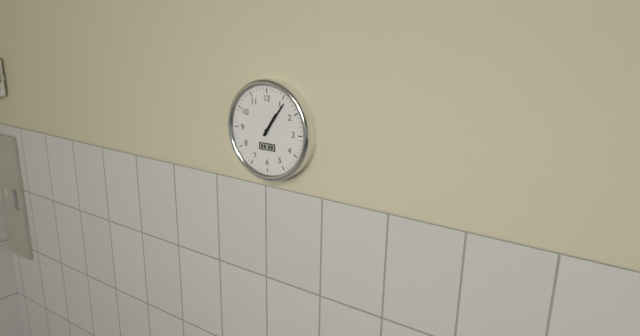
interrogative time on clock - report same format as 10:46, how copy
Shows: 1:06
